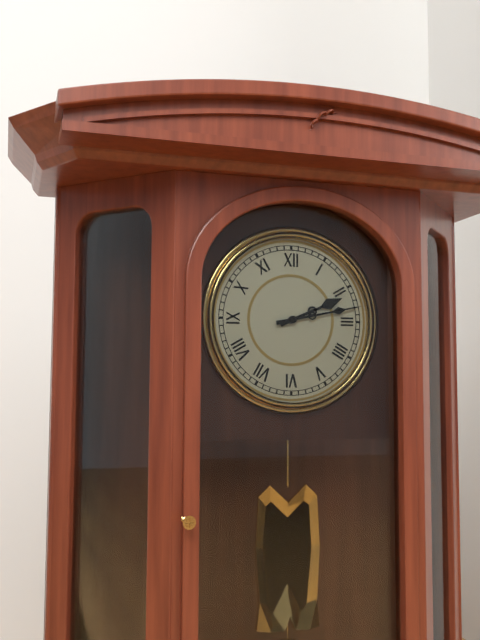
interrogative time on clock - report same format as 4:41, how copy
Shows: 2:13
